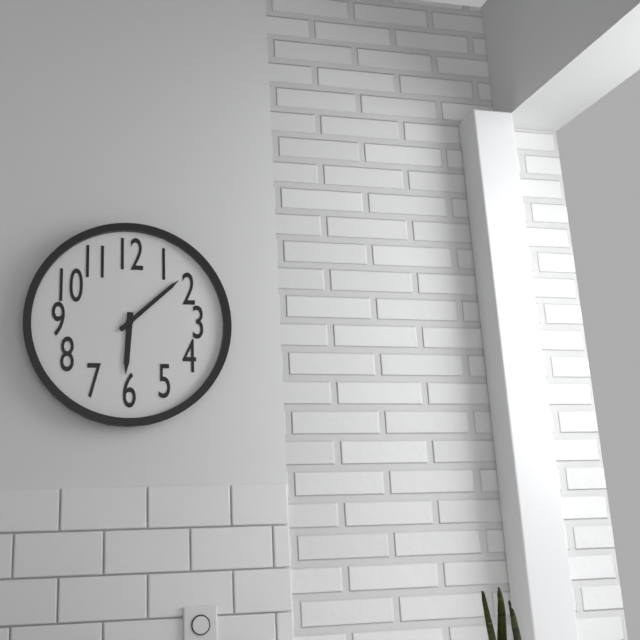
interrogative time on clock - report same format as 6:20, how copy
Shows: 6:08
